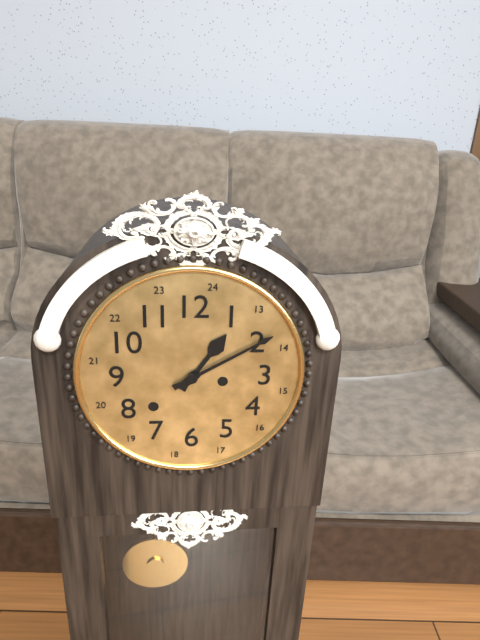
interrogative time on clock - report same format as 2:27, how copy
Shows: 1:10
